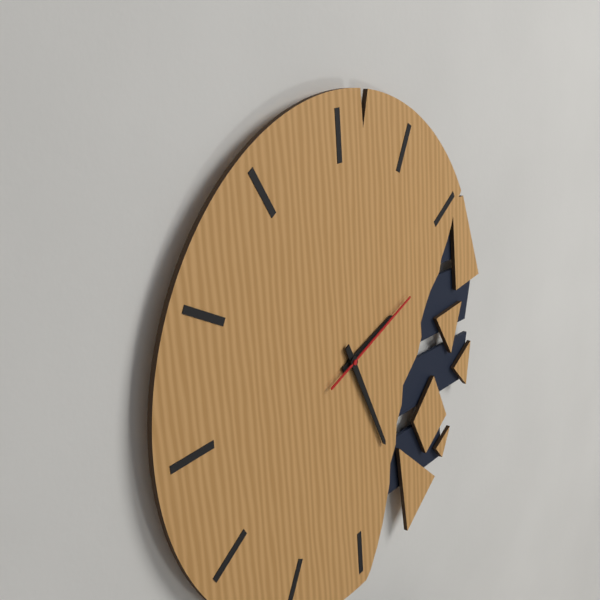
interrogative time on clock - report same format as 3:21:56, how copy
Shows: 2:26:12
